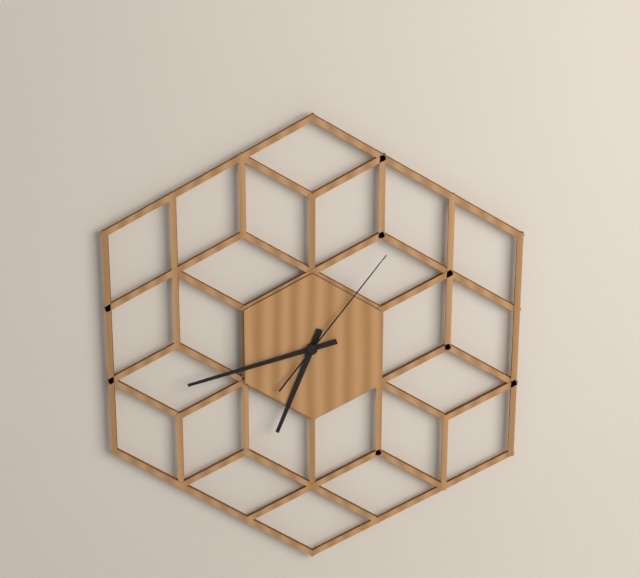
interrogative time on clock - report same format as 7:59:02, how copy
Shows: 6:42:06
